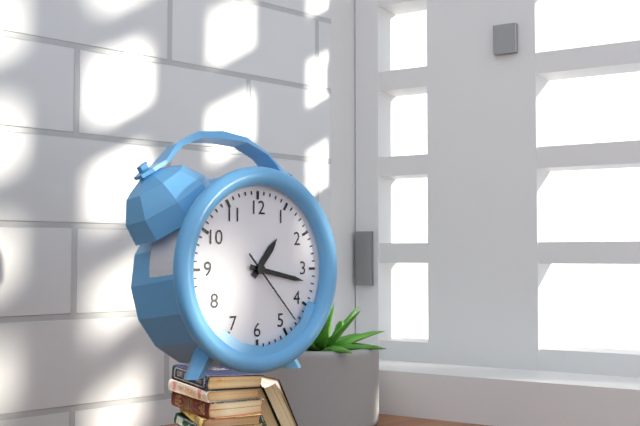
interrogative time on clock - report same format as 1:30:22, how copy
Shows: 1:17:23
